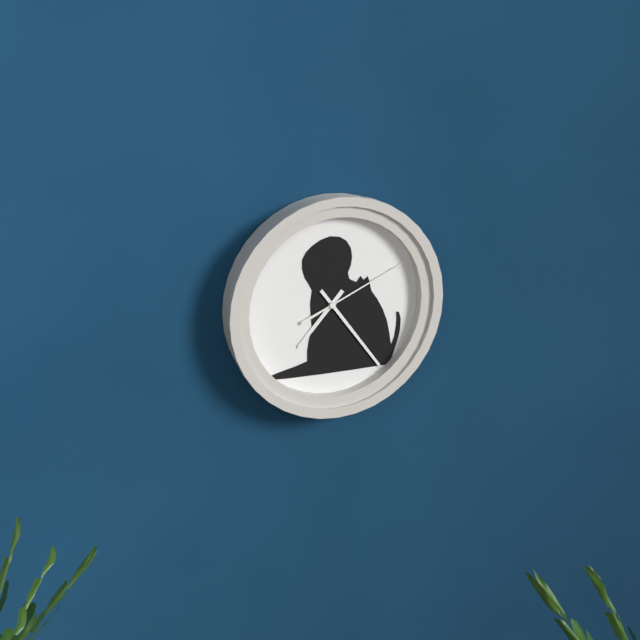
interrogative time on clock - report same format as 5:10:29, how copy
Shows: 7:24:11
